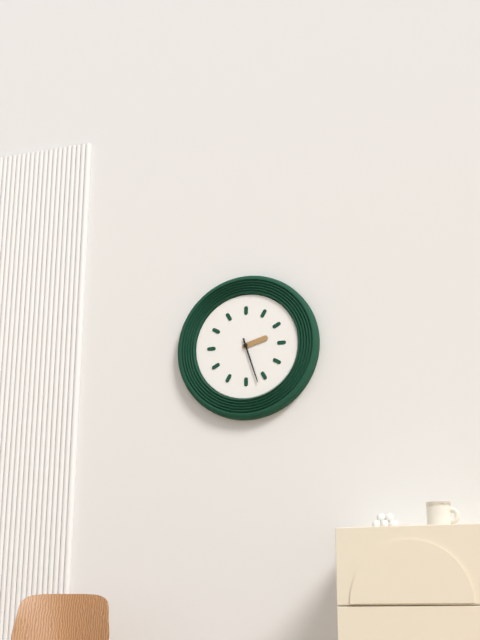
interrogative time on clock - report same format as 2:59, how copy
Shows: 2:27
